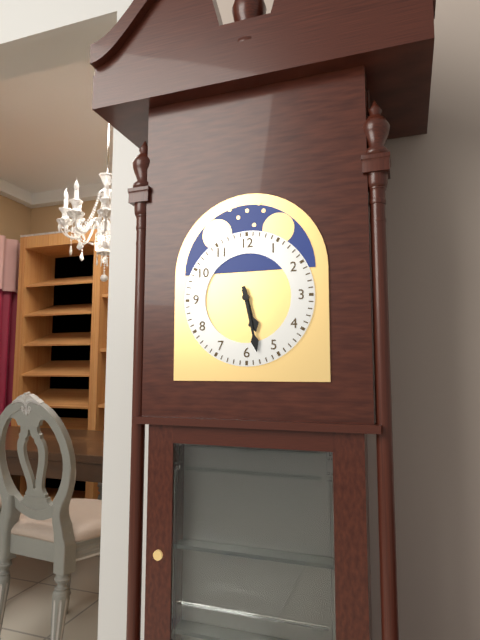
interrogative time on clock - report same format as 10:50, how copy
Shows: 5:28
